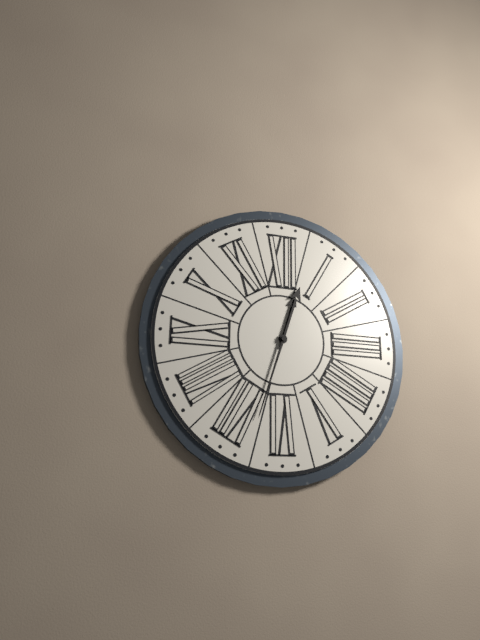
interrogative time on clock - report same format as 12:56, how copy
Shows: 12:33
